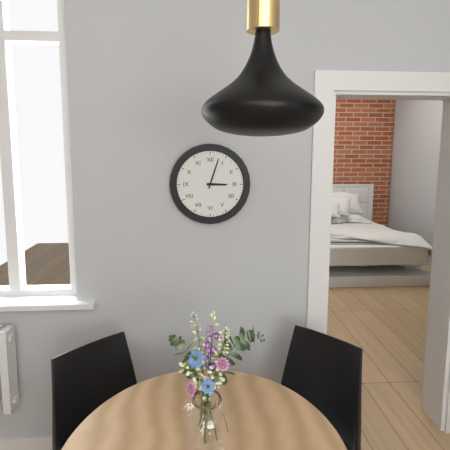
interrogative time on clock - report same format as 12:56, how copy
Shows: 3:03
